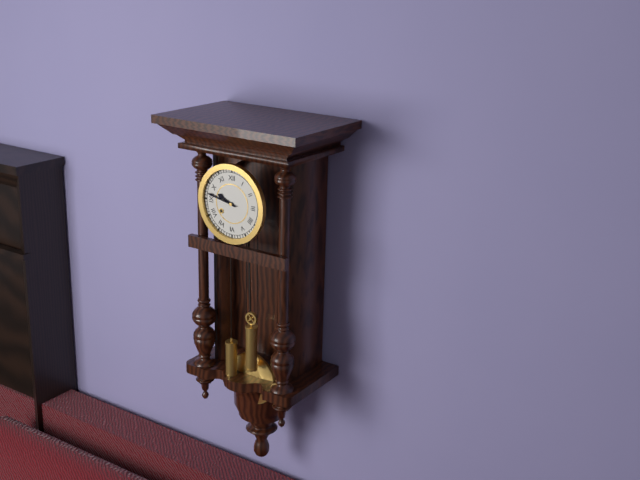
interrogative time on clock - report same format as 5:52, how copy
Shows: 9:47
